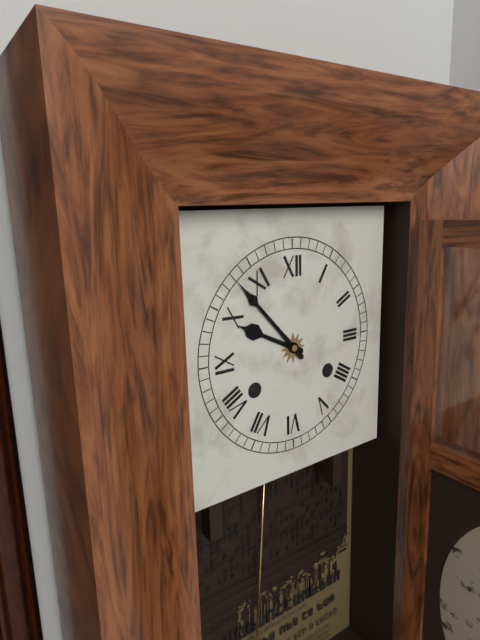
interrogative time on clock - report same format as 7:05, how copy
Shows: 9:53
